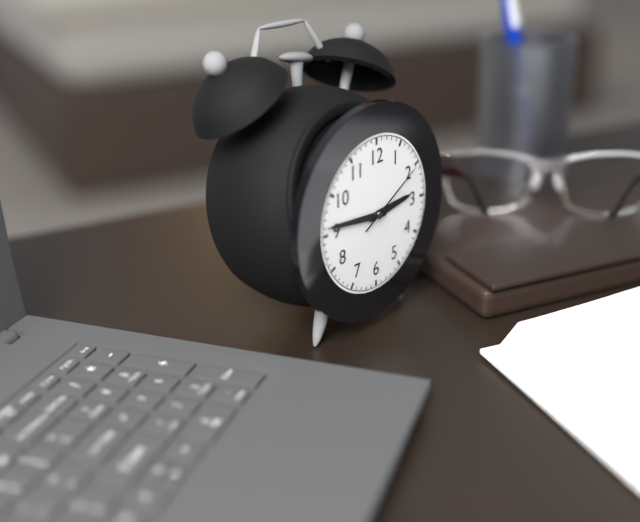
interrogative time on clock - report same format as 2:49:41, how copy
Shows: 2:46:10
